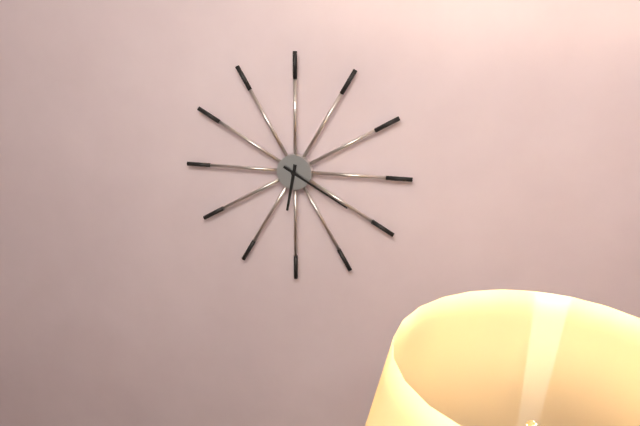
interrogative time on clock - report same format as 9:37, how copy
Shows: 6:20
